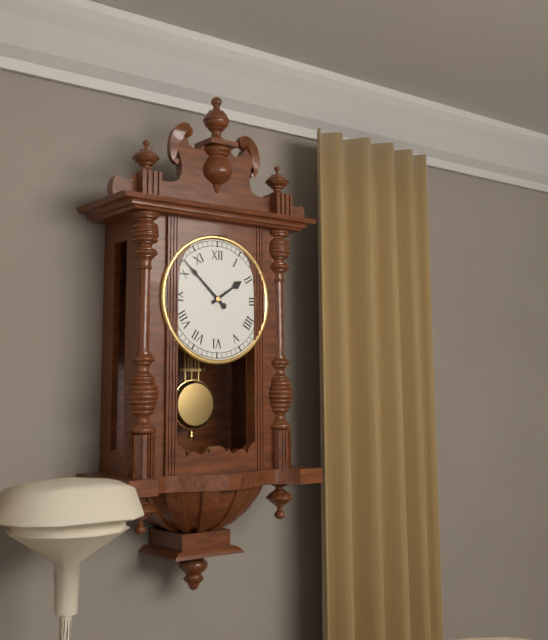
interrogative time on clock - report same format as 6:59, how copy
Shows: 1:52
